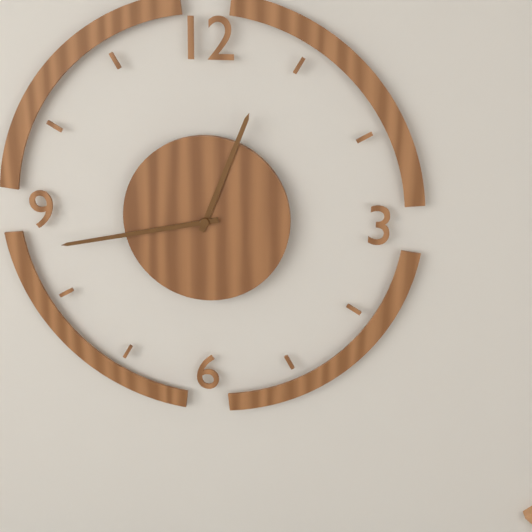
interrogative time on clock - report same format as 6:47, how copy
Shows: 12:43
